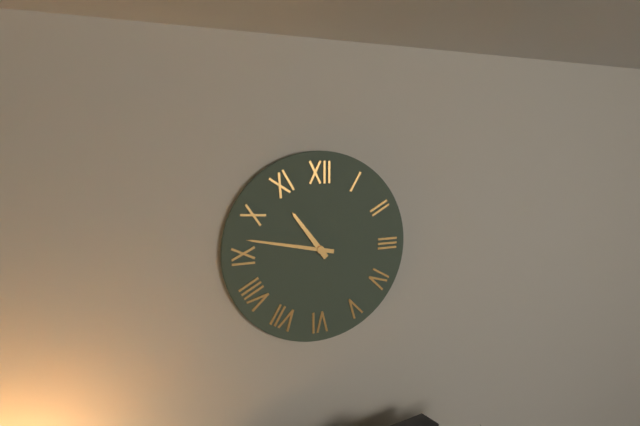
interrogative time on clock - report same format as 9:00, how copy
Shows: 10:47
